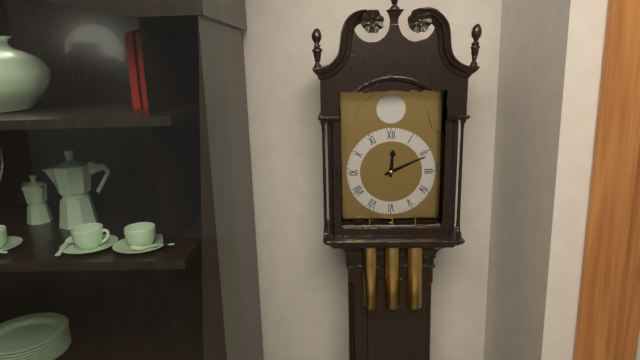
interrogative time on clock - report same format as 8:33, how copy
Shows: 12:11
